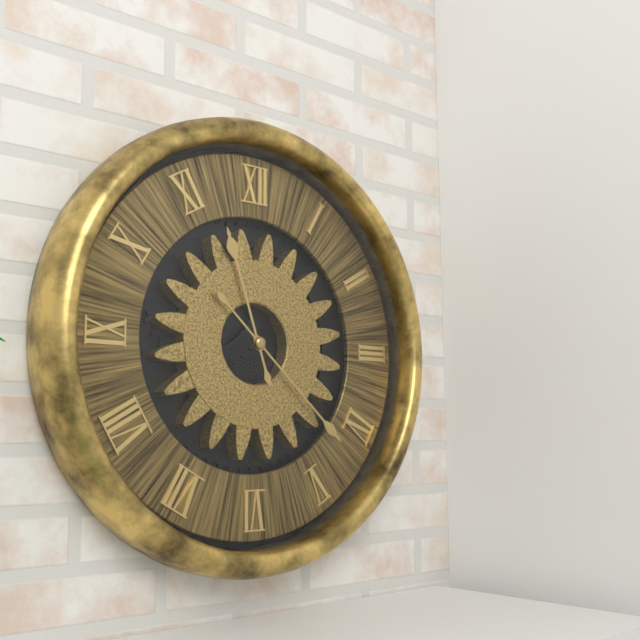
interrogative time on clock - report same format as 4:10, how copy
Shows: 11:22
